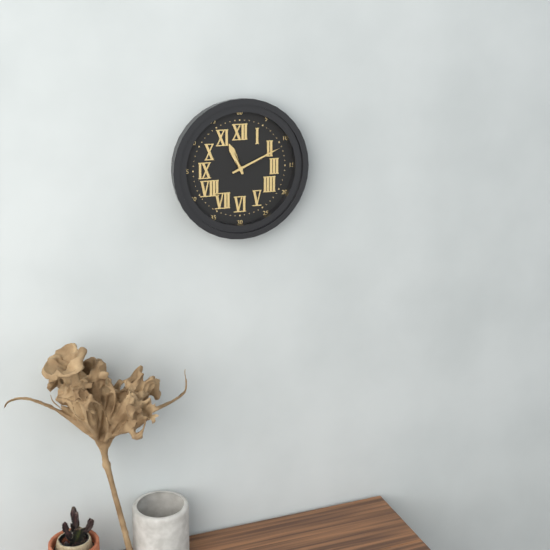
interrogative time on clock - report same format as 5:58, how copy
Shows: 11:11
